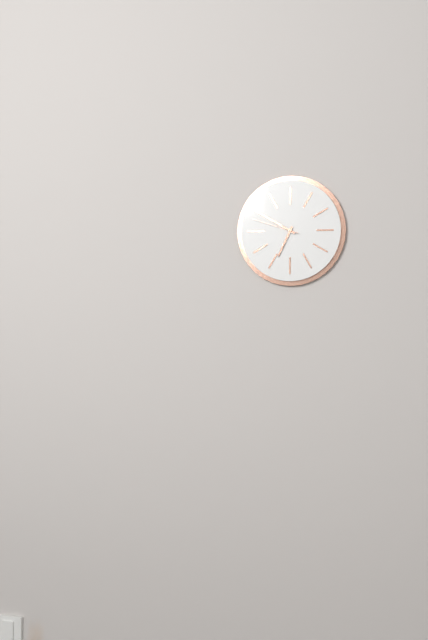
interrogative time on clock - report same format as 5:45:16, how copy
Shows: 6:50:48
